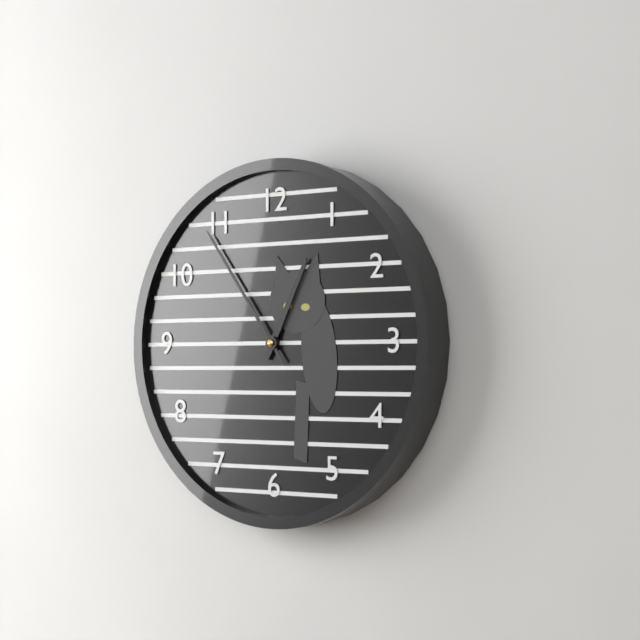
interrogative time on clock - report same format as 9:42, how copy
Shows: 12:54
